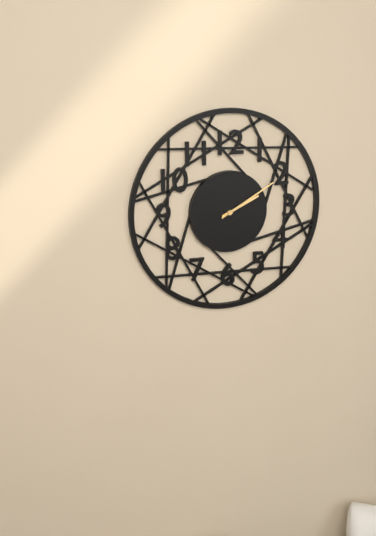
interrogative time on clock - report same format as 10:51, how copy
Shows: 2:10
